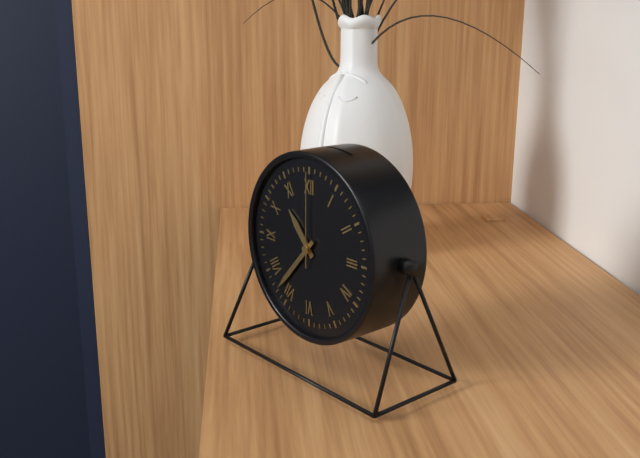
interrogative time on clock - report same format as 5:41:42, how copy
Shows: 10:37:00
